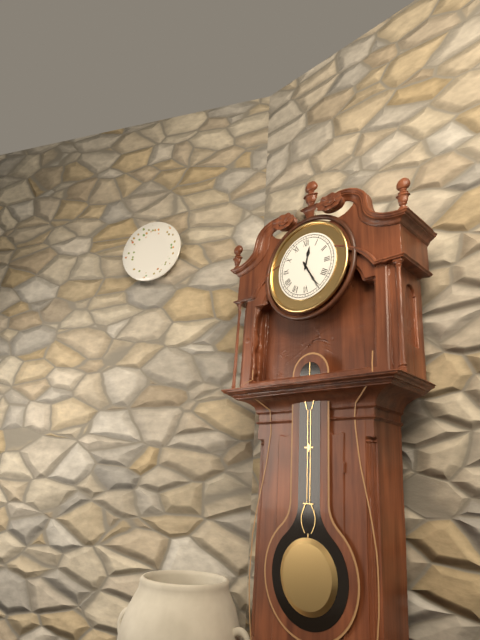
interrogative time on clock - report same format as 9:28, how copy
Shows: 12:25
